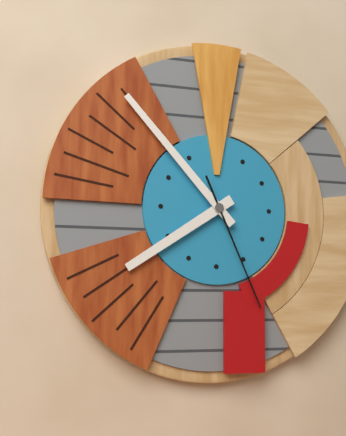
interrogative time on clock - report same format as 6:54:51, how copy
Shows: 7:53:26
